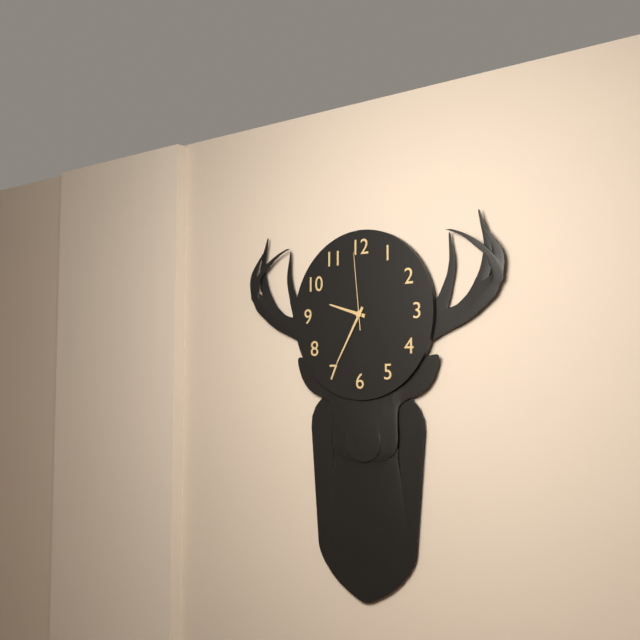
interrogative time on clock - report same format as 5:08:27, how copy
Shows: 9:35:59
